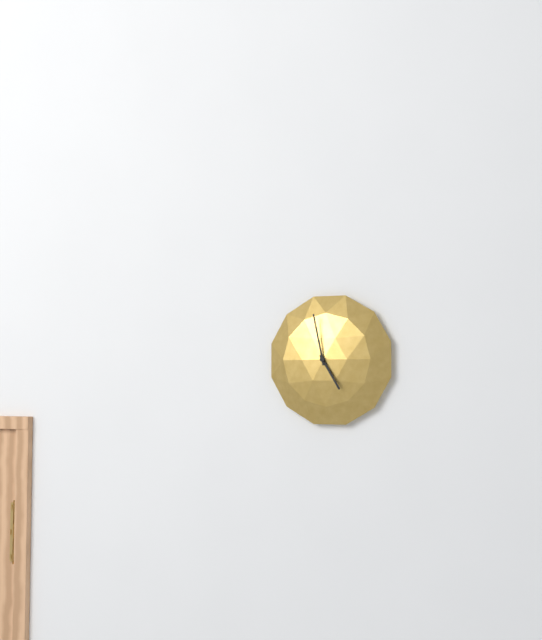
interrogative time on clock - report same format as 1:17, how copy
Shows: 4:58
